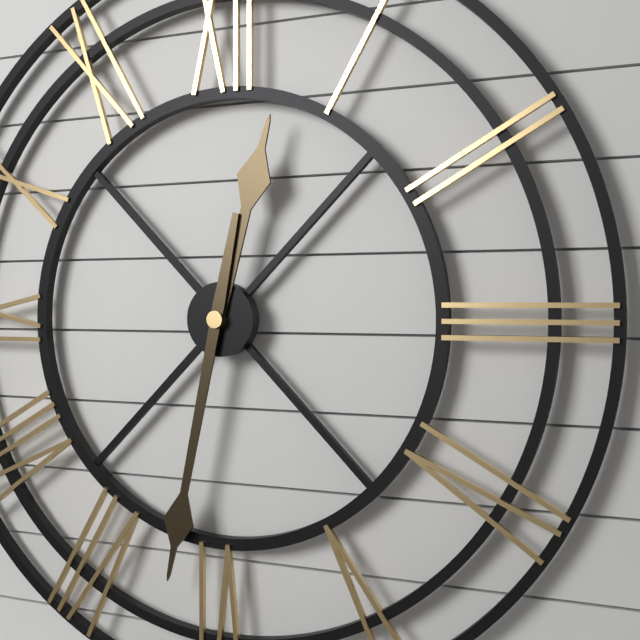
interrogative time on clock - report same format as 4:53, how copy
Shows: 12:32
